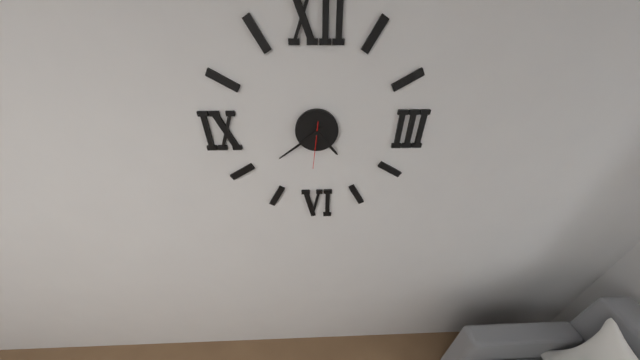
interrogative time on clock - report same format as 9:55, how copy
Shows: 4:39
